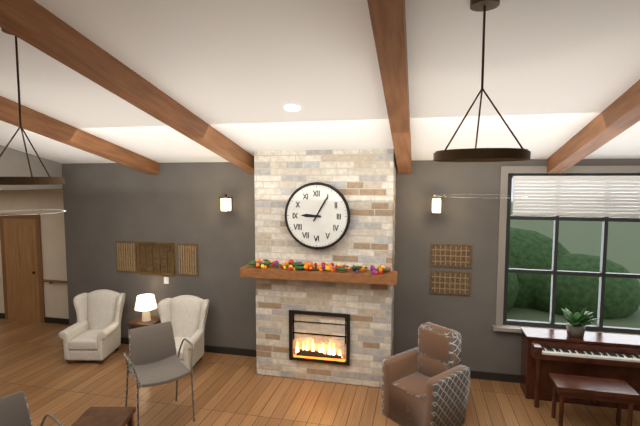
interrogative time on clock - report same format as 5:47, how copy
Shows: 9:05
